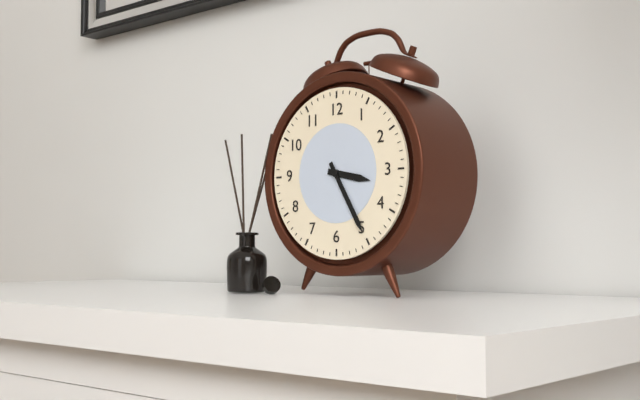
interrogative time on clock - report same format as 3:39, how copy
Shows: 3:25
